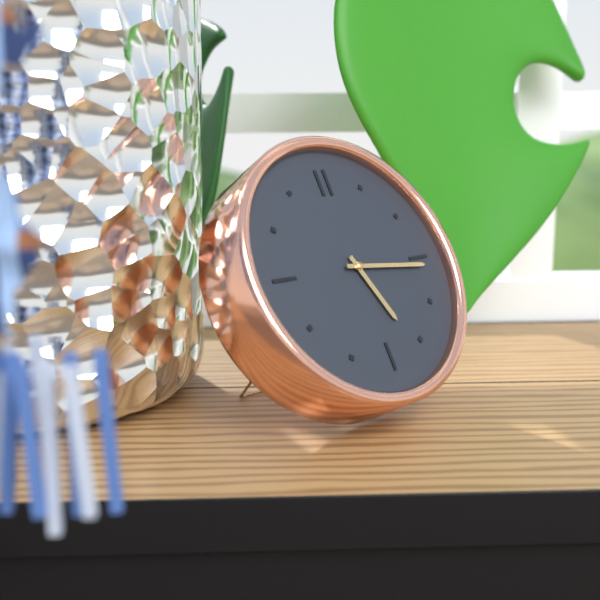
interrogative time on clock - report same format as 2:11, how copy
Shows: 5:16
